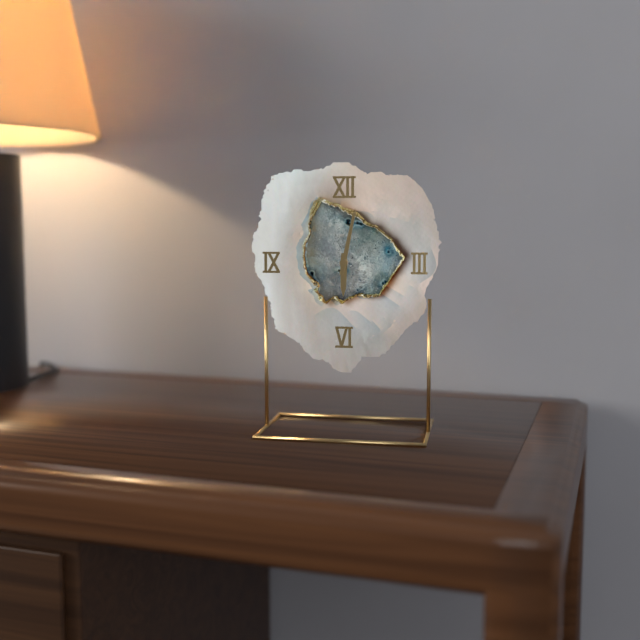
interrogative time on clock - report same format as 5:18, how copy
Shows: 6:02
